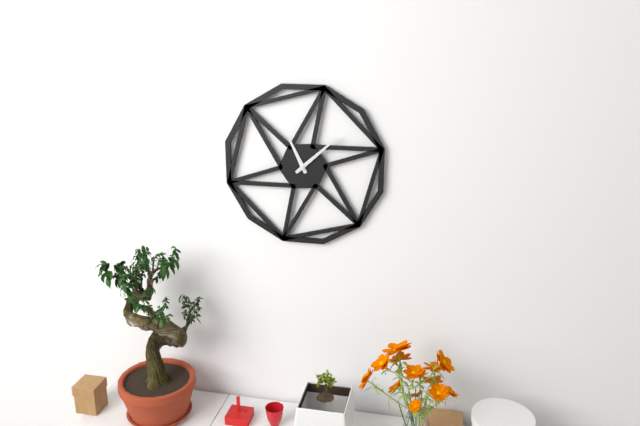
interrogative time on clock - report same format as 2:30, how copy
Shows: 11:08
